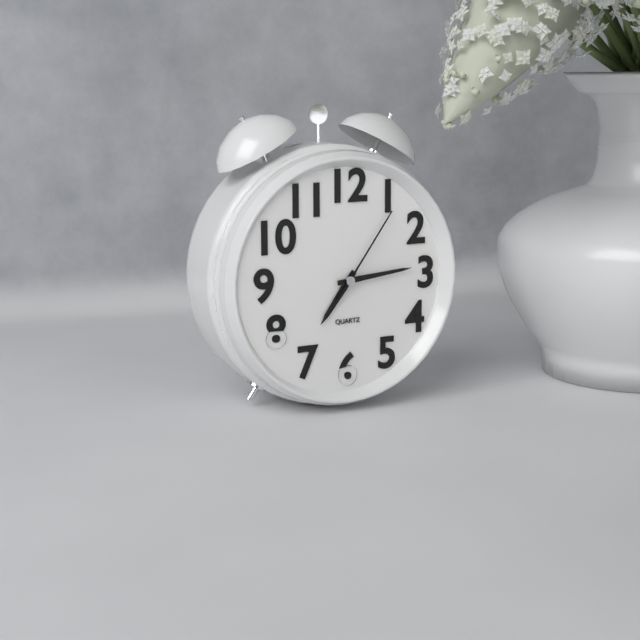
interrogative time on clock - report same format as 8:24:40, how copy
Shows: 7:14:06
